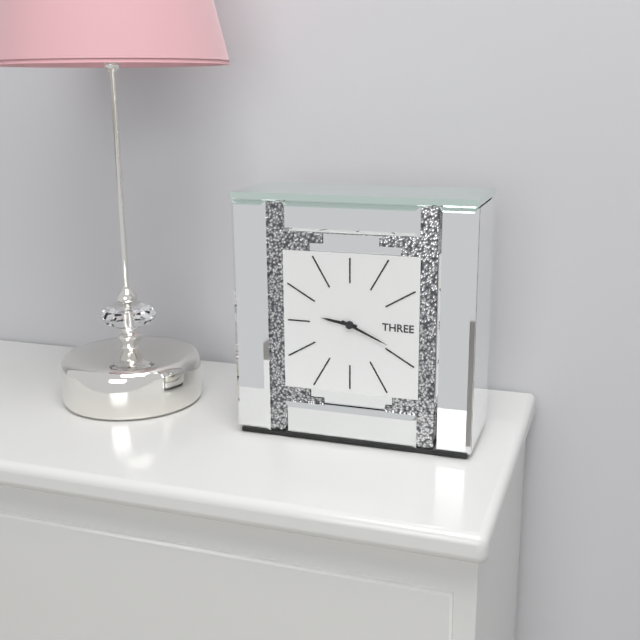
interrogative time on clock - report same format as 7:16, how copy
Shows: 9:19
